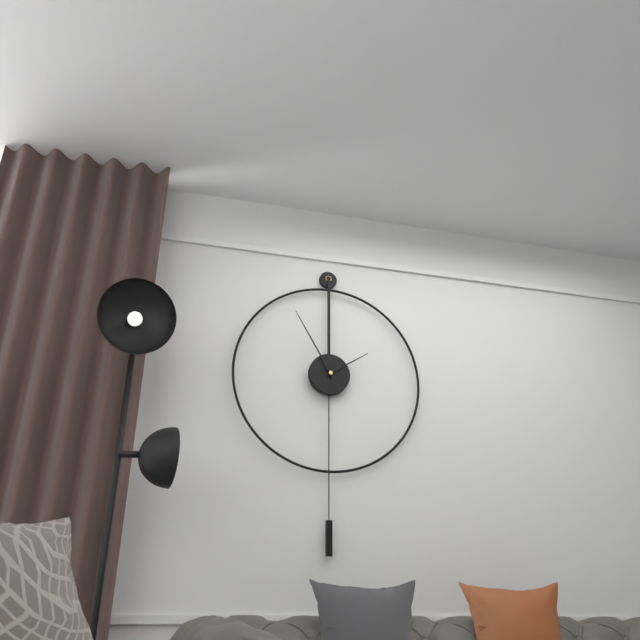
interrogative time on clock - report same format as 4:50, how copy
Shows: 1:55
